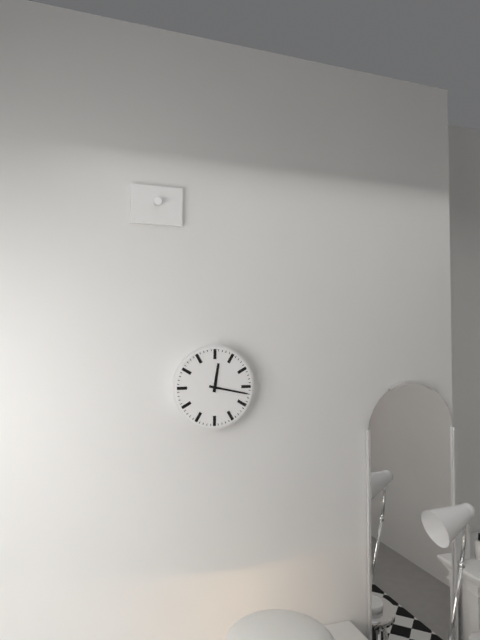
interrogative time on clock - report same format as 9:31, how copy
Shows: 12:17
